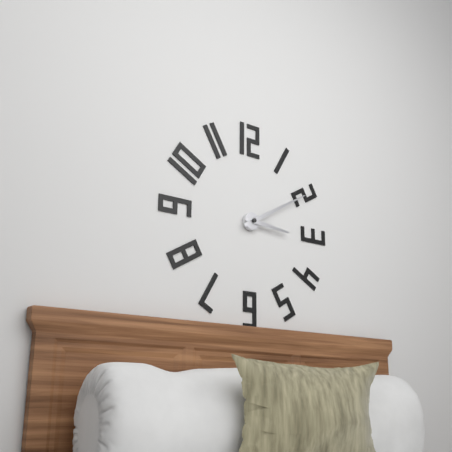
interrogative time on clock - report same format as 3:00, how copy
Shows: 3:10
